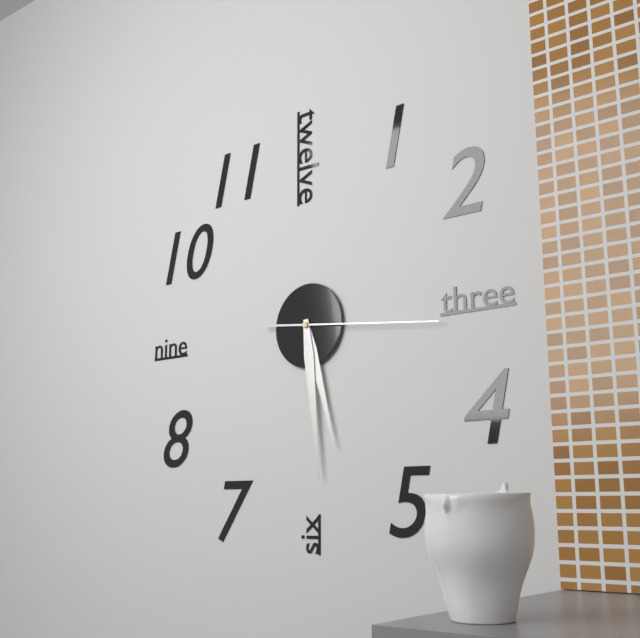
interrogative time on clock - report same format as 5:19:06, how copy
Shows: 5:29:16
